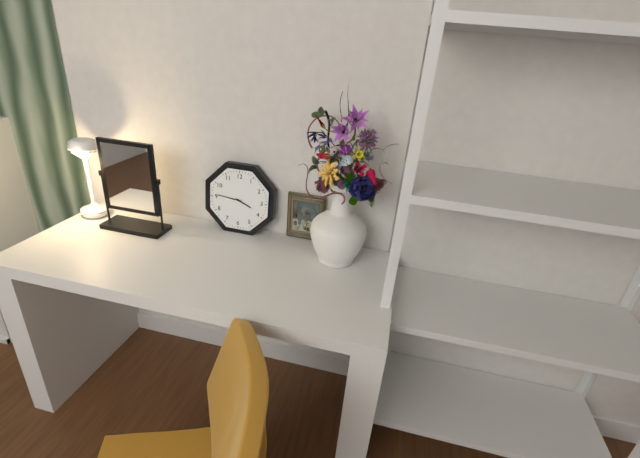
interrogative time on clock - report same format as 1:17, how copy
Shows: 3:46
